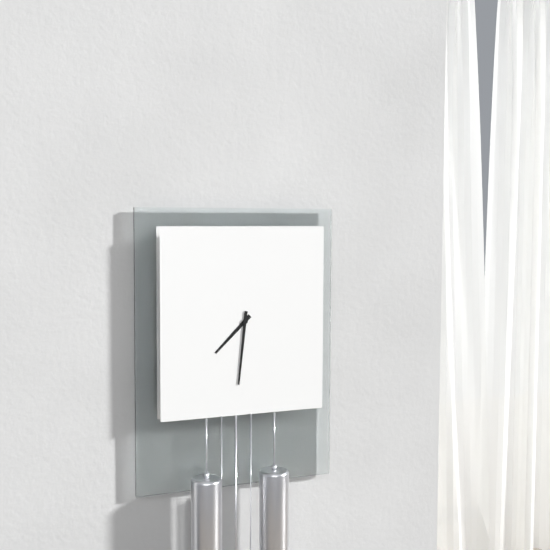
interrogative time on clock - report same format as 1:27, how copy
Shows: 7:31
